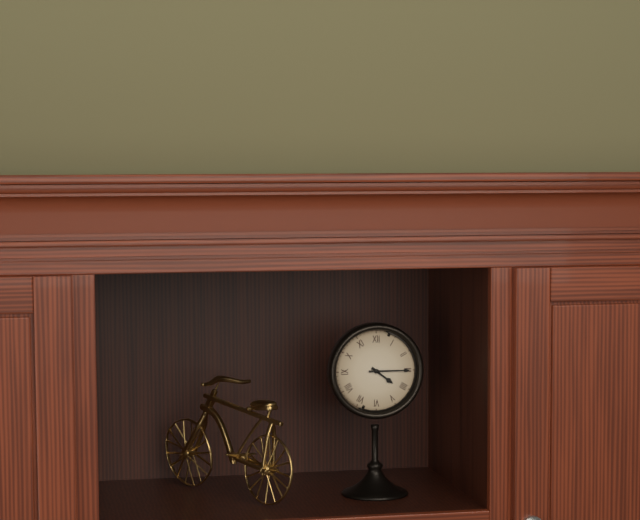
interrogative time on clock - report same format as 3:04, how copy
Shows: 4:15
